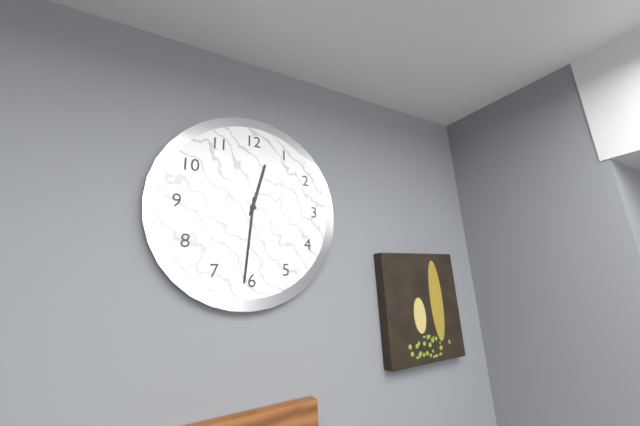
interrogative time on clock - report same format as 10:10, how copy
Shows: 12:31
